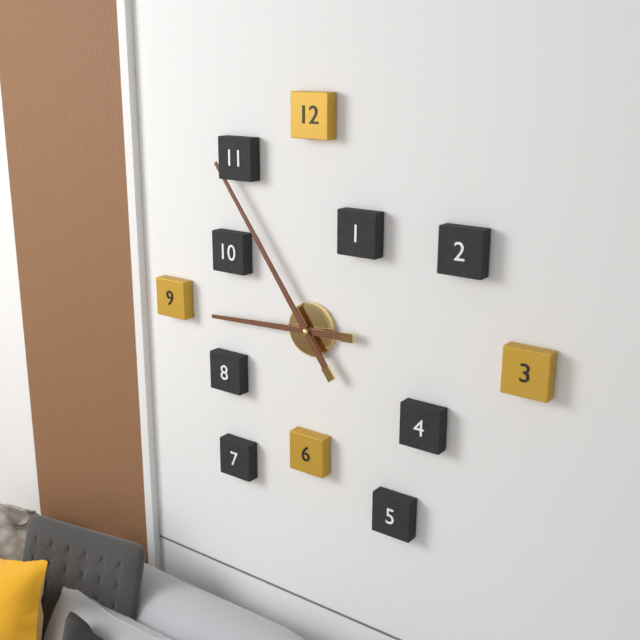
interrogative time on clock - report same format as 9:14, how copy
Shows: 8:54
